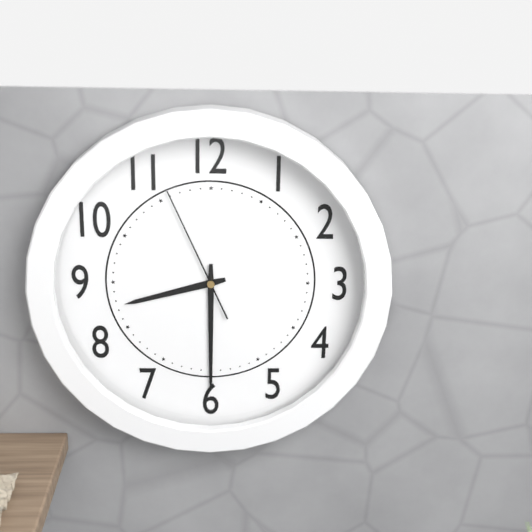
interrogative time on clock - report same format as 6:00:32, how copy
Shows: 8:30:56
